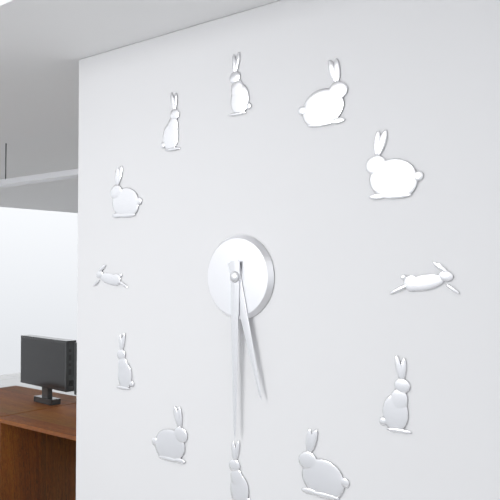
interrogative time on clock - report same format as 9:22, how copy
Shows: 5:30
